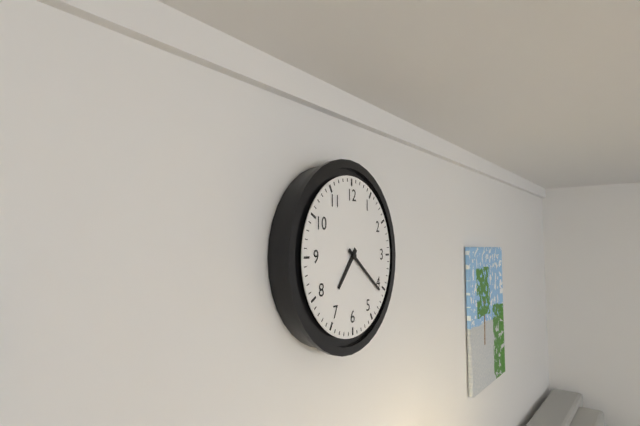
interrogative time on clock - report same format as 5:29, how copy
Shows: 7:21
